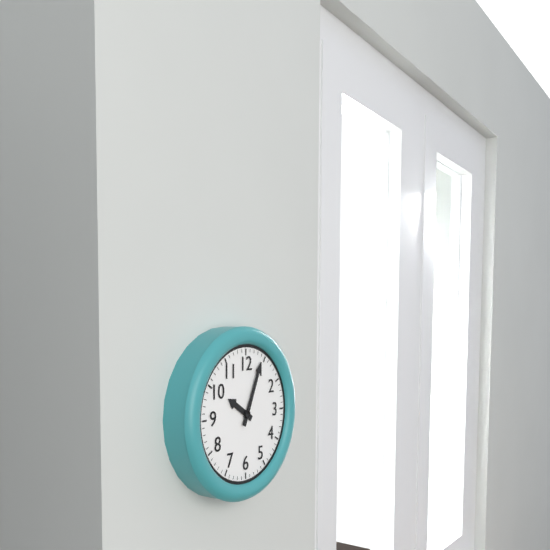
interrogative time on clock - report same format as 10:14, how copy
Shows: 10:04
